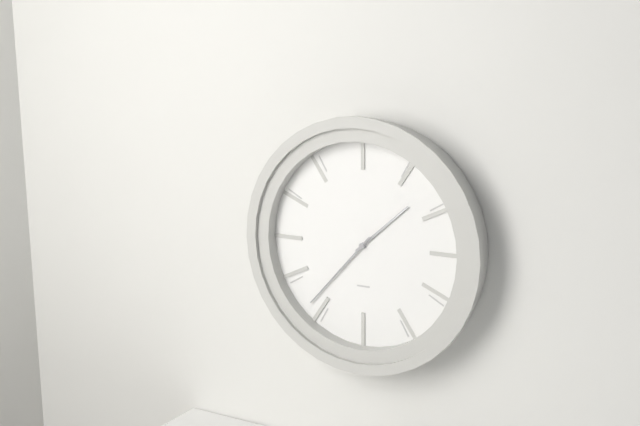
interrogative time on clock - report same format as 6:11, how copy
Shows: 1:37
